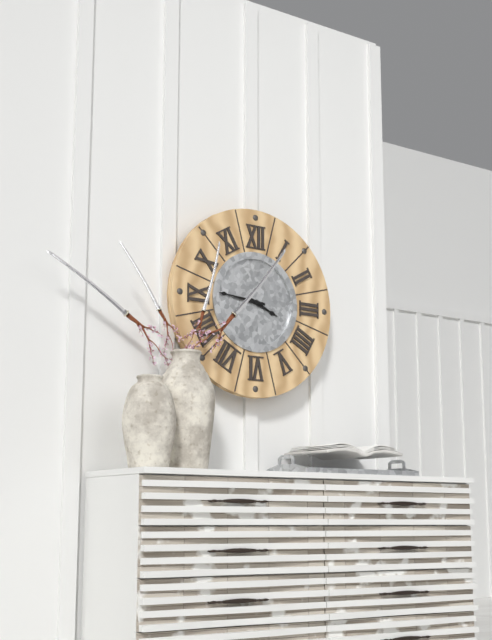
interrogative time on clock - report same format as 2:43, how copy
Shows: 3:46
